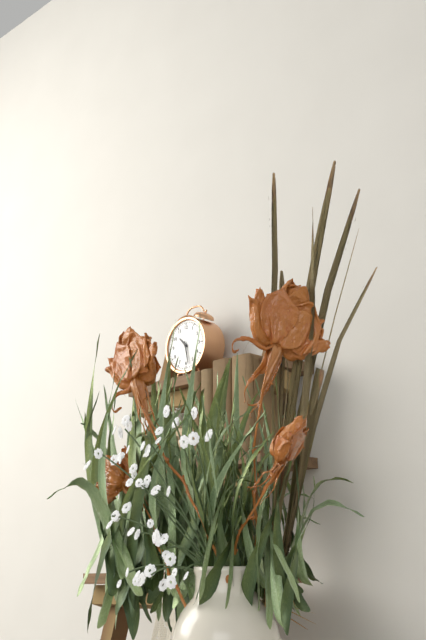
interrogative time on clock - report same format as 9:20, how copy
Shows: 10:28
